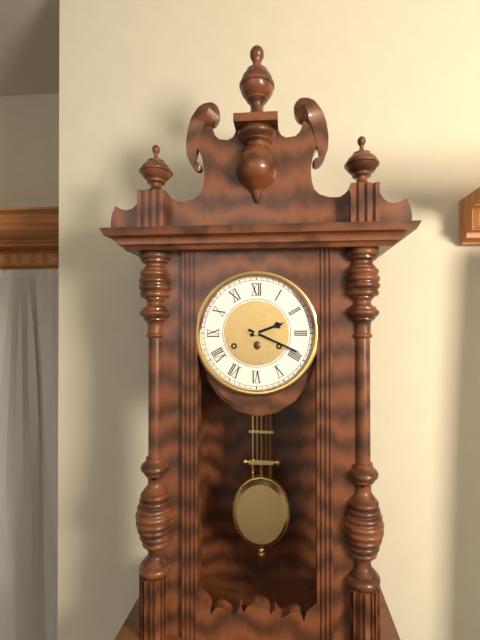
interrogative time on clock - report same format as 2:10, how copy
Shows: 2:19
